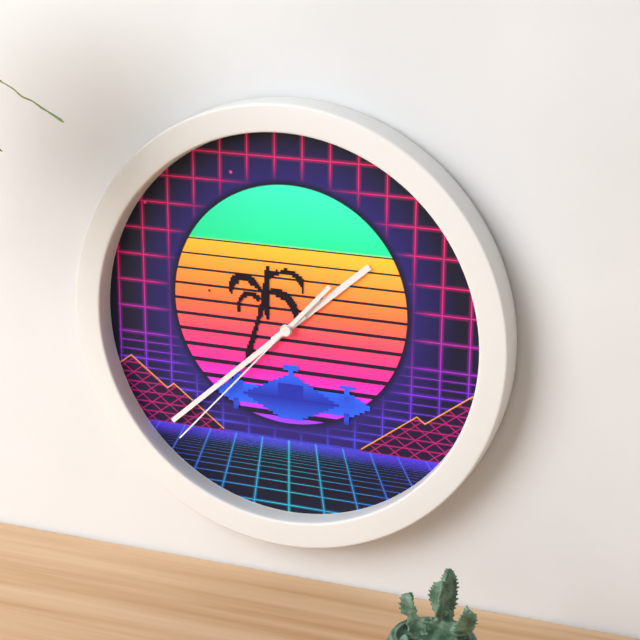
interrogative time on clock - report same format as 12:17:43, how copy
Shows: 1:38:37
